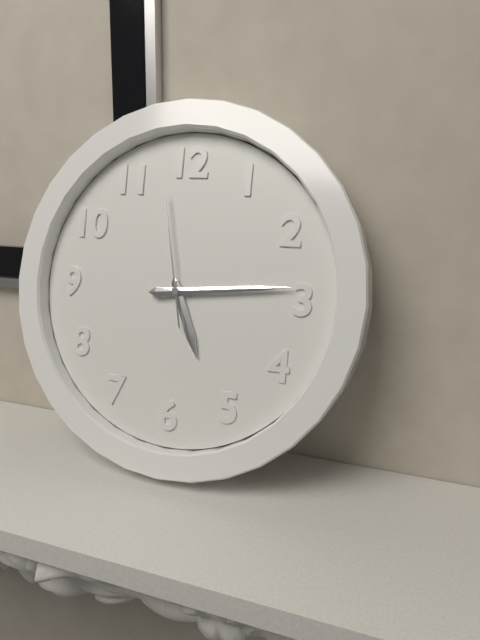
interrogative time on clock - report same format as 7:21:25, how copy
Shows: 5:14:58
